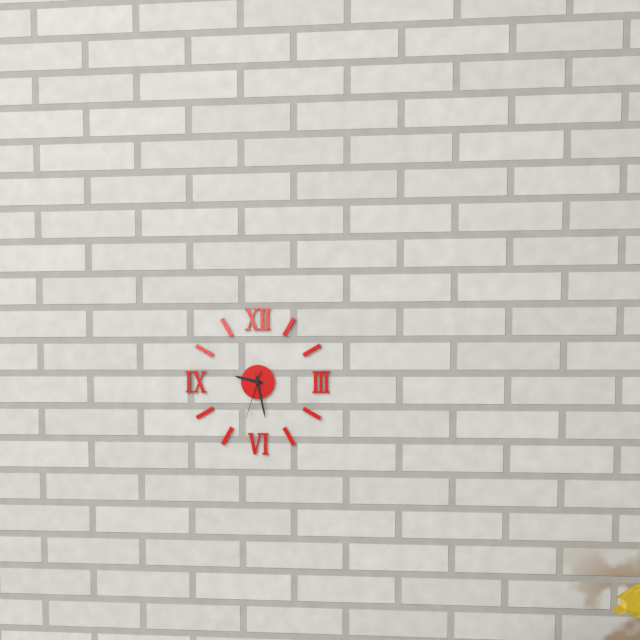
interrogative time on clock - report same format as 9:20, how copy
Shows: 9:28
